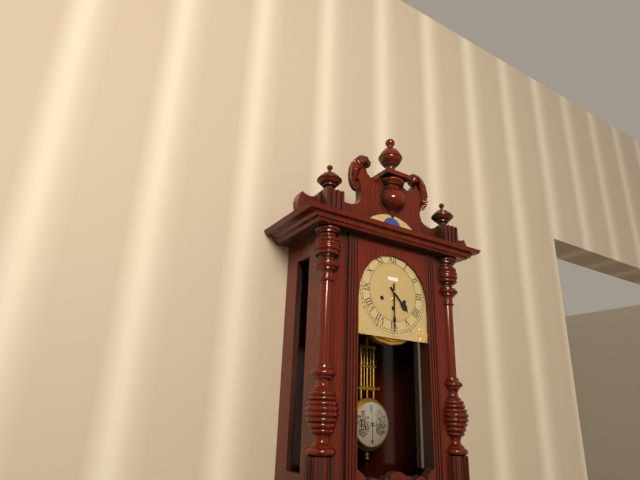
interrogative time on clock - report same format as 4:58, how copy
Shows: 4:30
